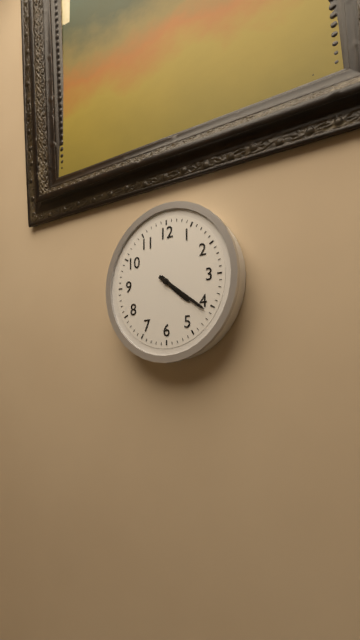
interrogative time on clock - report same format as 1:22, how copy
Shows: 4:21
